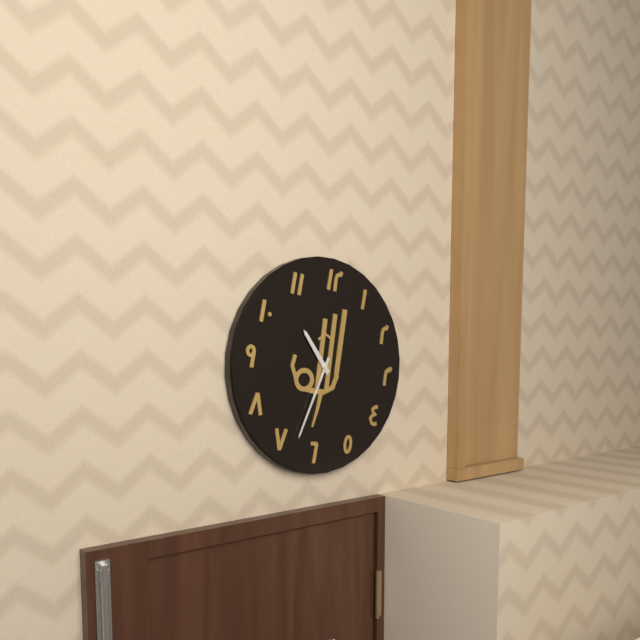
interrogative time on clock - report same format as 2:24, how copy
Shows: 10:33
